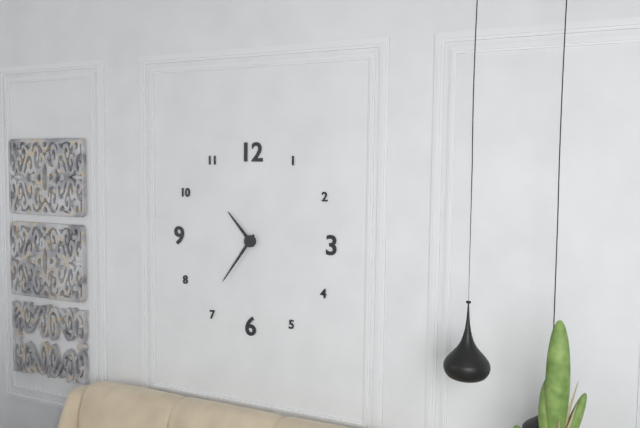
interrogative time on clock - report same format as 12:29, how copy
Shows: 10:36
